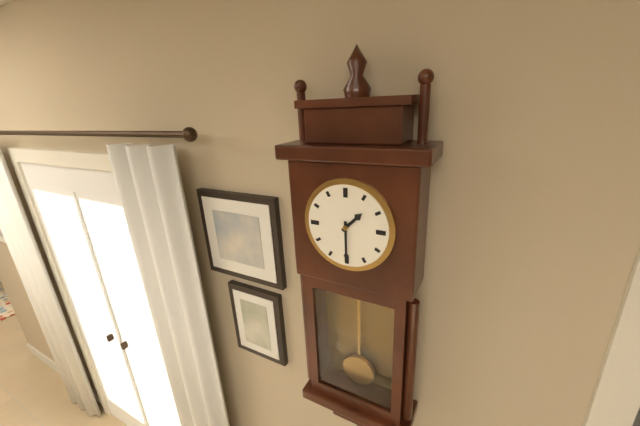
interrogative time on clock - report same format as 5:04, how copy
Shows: 1:30
